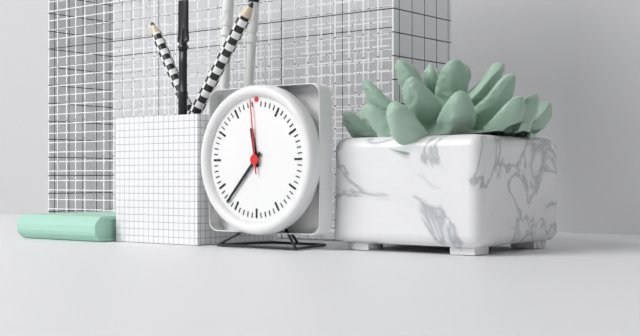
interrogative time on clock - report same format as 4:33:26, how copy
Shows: 11:37:59
